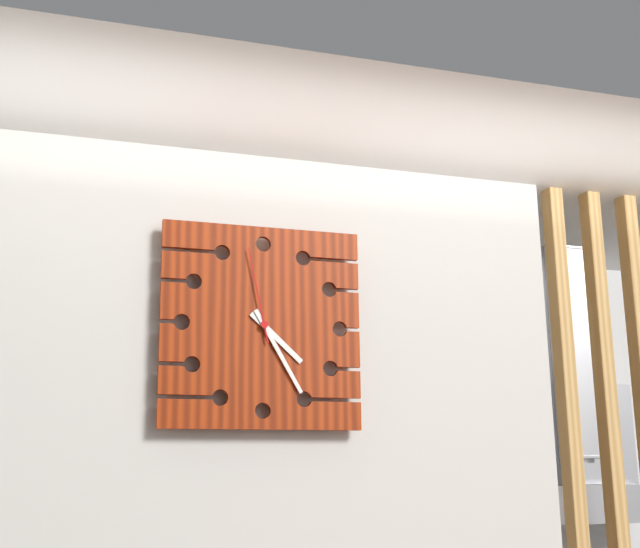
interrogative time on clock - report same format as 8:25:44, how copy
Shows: 4:25:58
